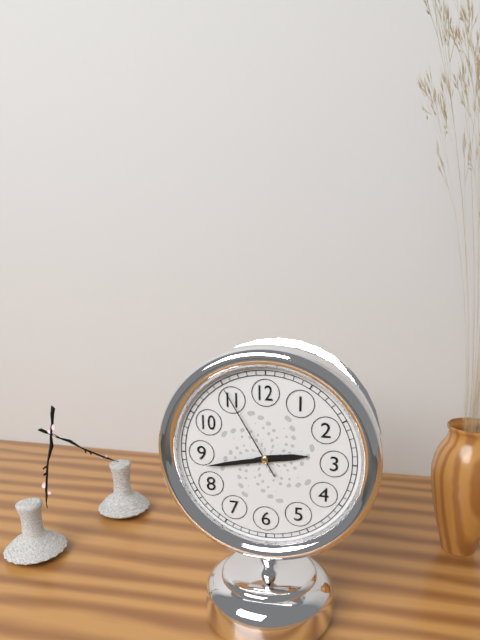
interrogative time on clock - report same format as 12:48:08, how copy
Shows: 2:43:55
